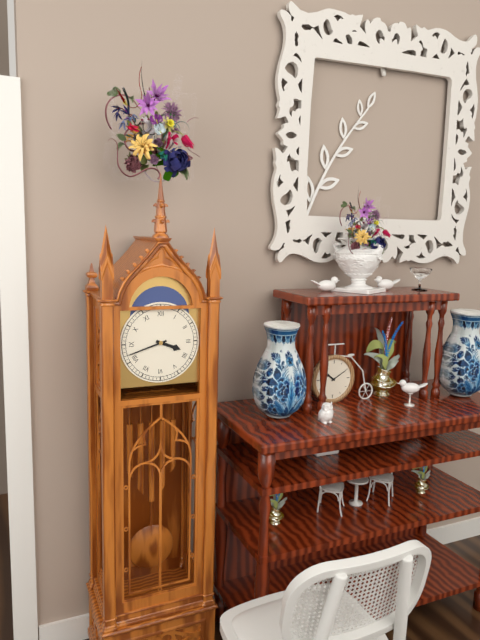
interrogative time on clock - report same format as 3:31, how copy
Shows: 3:42
